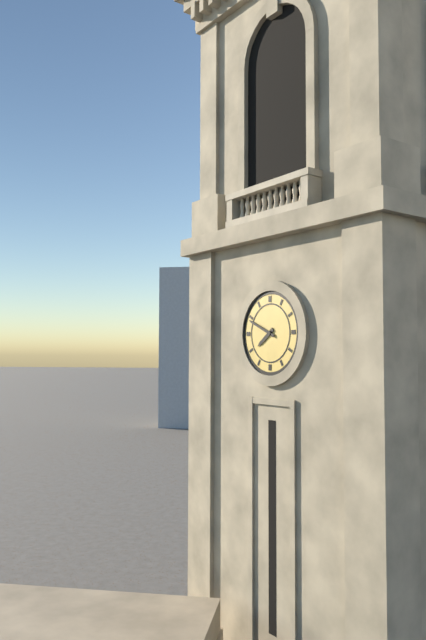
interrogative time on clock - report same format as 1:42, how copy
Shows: 7:49
